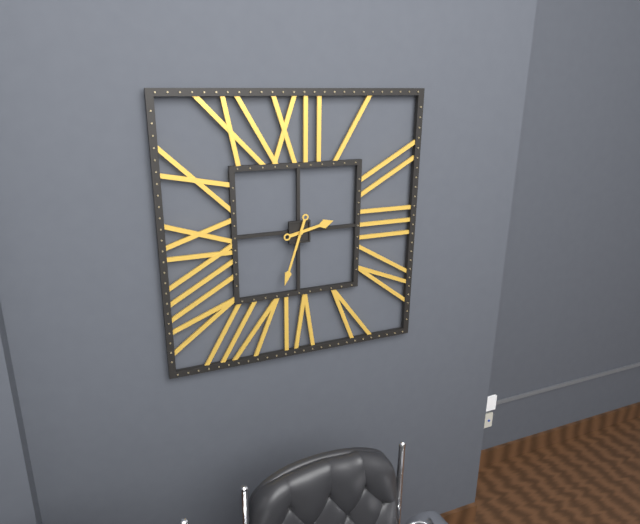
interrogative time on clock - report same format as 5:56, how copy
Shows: 2:33
